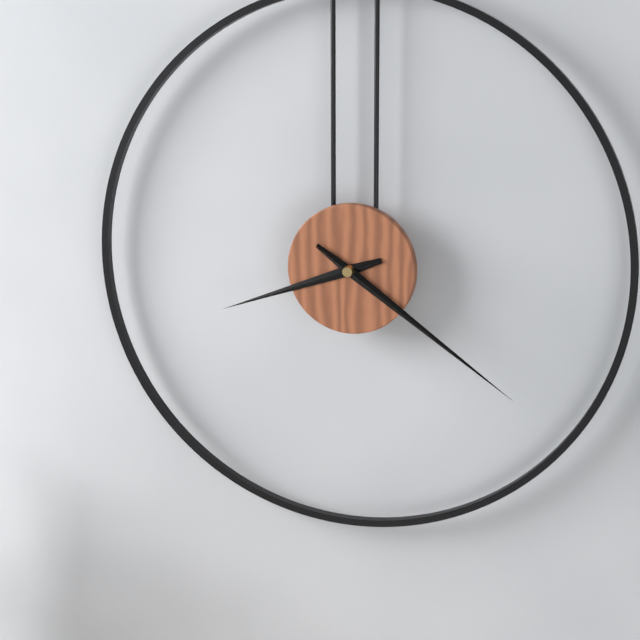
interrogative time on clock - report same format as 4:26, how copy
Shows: 8:21
